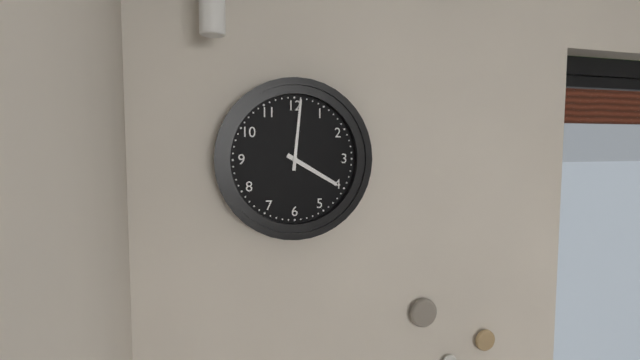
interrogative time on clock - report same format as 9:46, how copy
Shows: 4:01
